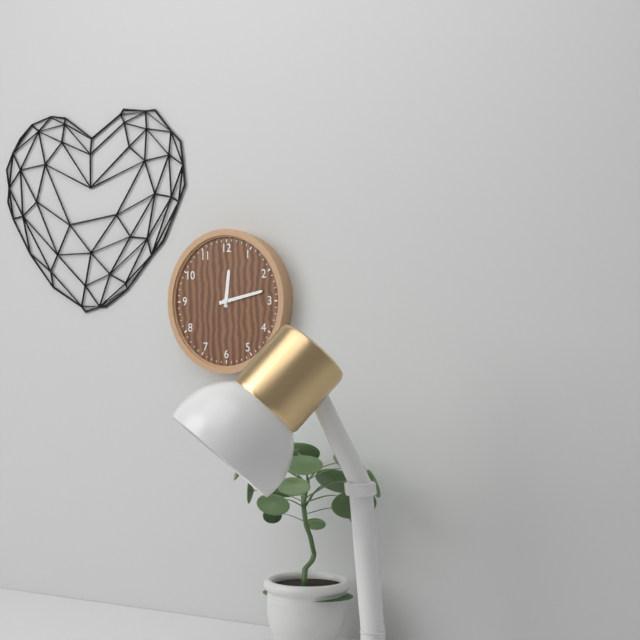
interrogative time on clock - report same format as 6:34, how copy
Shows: 12:13
